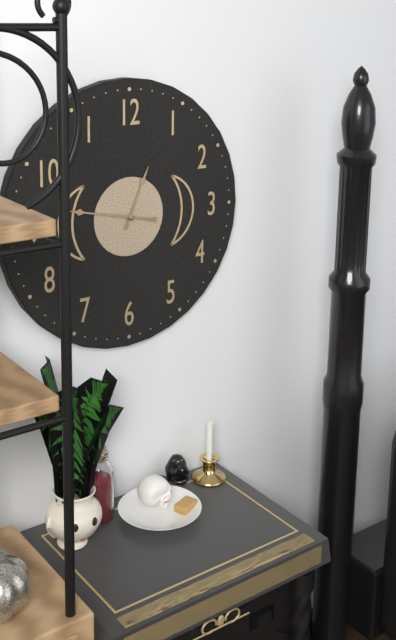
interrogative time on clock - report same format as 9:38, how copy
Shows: 12:47
